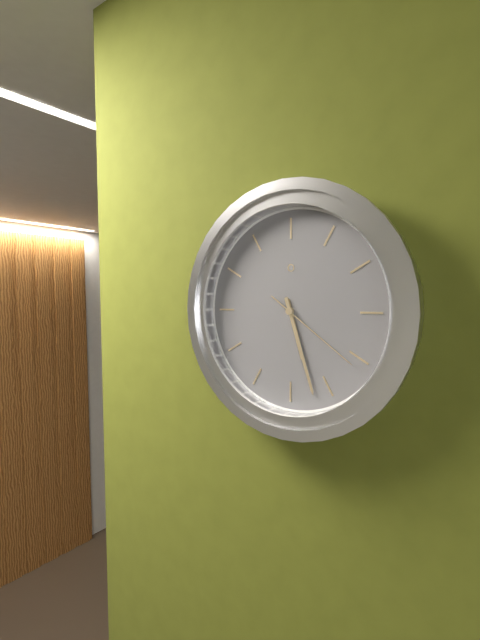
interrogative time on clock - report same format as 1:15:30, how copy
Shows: 5:27:21
